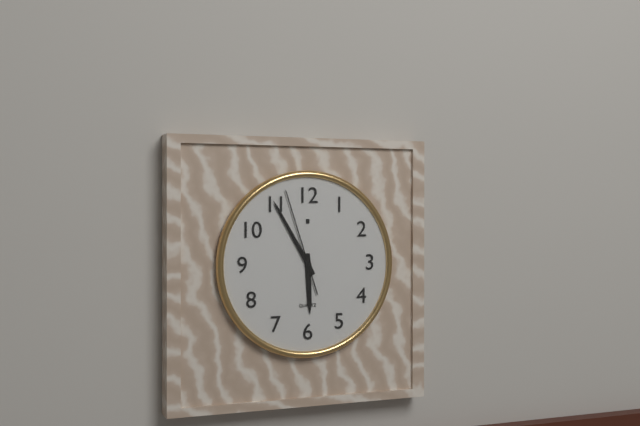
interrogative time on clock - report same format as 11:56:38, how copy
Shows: 5:55:57
